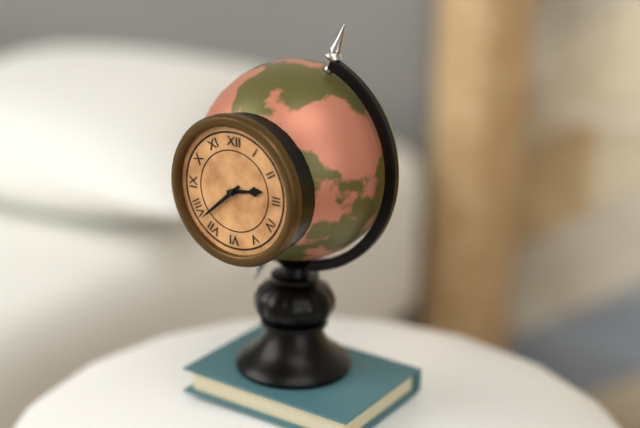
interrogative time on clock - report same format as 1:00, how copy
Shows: 2:38
